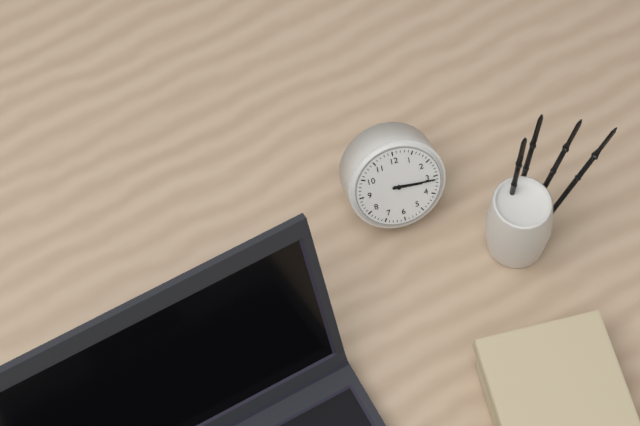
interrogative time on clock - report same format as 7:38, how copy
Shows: 3:16
